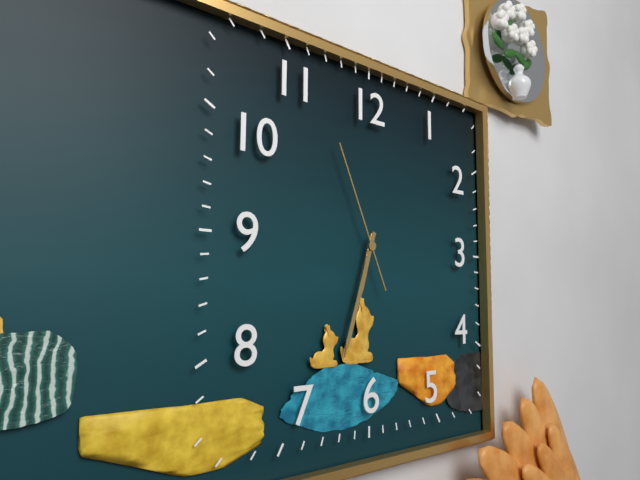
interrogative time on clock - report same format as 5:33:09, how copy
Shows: 6:33:56
